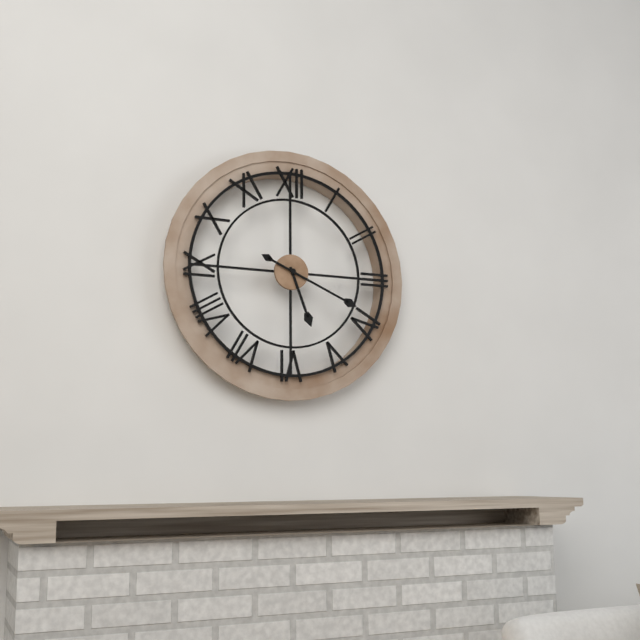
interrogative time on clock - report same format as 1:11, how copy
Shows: 5:19
